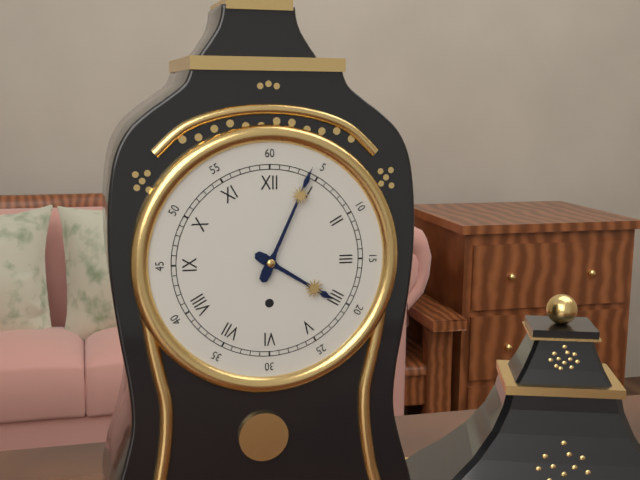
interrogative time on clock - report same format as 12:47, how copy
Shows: 4:04
